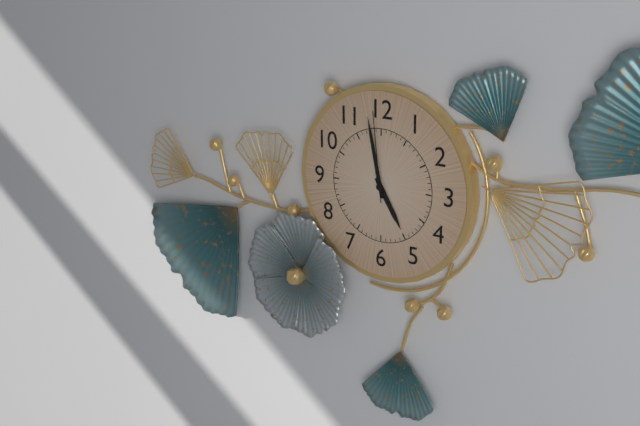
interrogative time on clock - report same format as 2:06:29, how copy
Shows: 4:58:59
